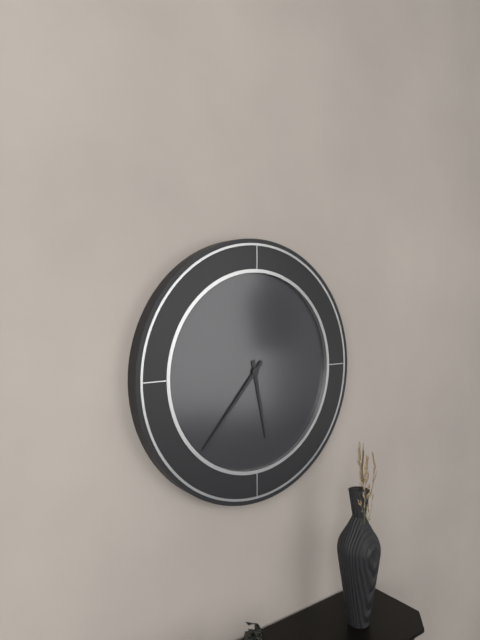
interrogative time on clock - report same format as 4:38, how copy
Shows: 5:37
